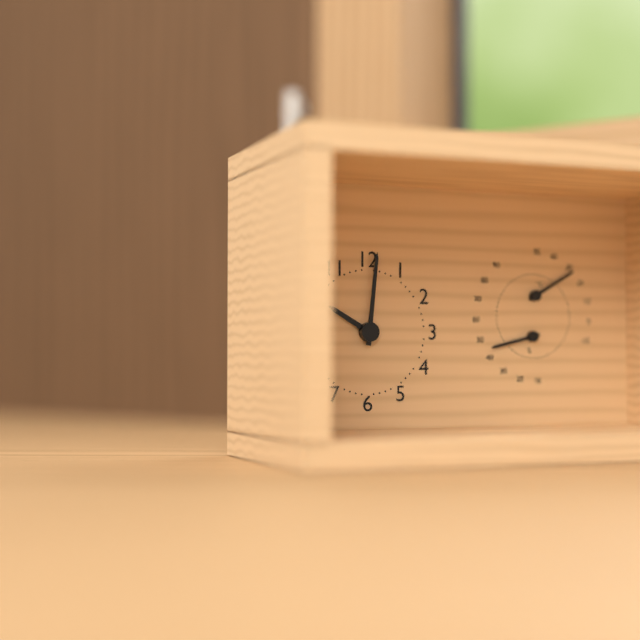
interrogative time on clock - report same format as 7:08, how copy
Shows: 10:01
